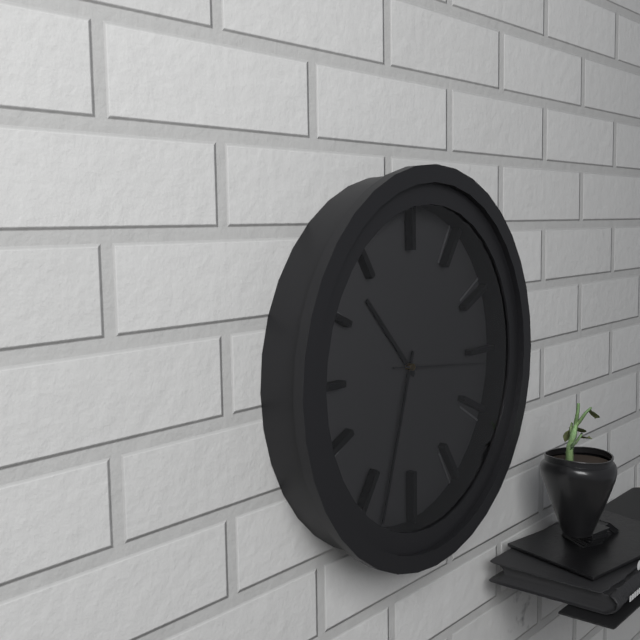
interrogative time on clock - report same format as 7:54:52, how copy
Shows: 10:33:16
